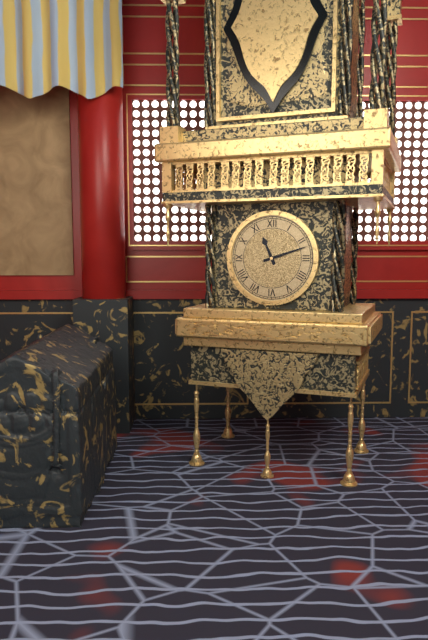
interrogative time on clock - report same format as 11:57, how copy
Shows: 11:12
